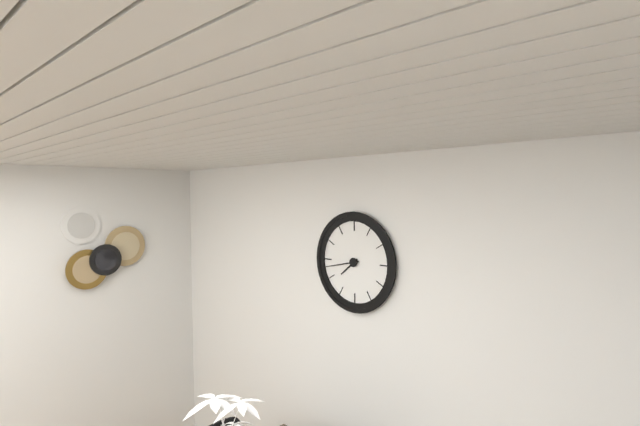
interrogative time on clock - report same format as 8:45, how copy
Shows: 7:43
